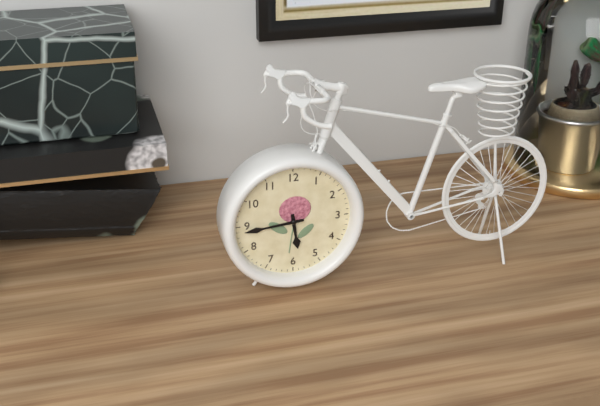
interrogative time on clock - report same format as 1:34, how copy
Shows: 5:44
